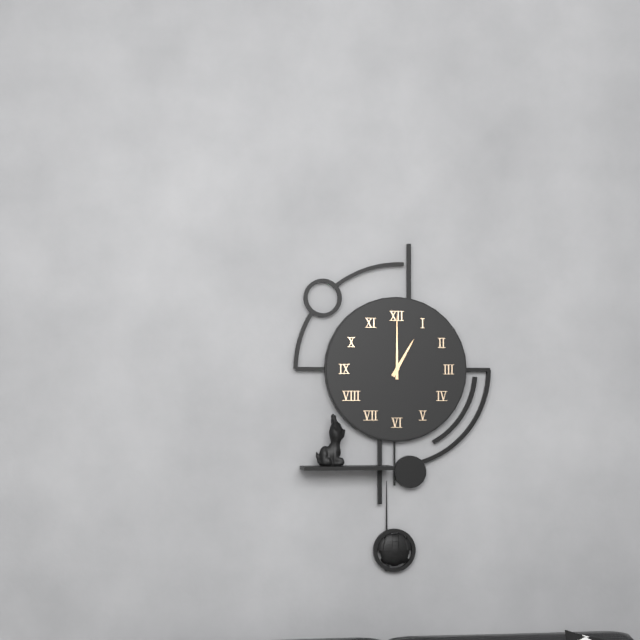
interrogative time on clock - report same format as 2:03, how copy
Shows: 1:00
